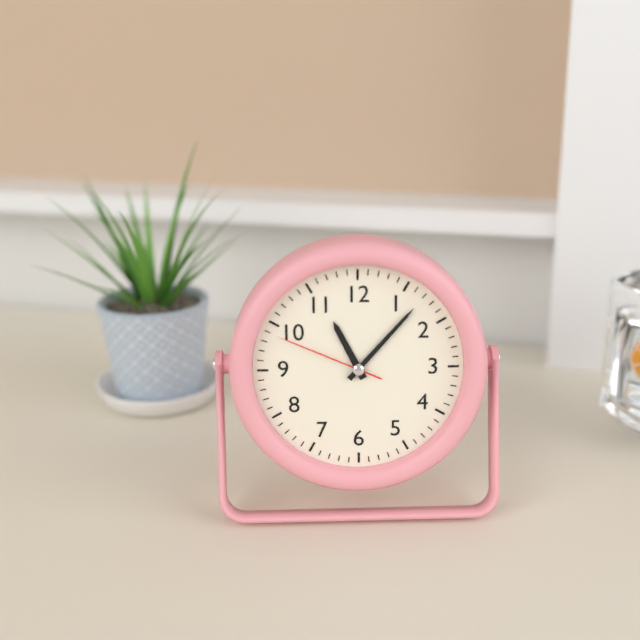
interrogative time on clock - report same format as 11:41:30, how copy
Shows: 11:07:49
